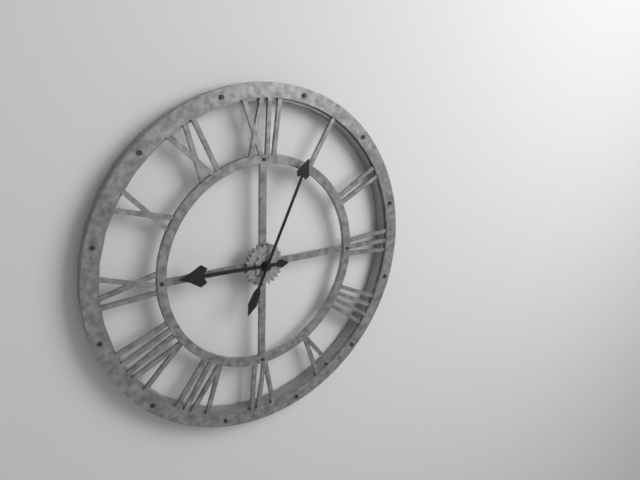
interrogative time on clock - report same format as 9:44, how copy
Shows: 9:04
